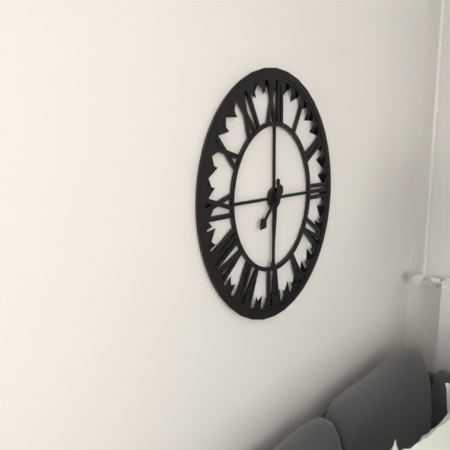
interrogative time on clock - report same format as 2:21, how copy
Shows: 7:31
